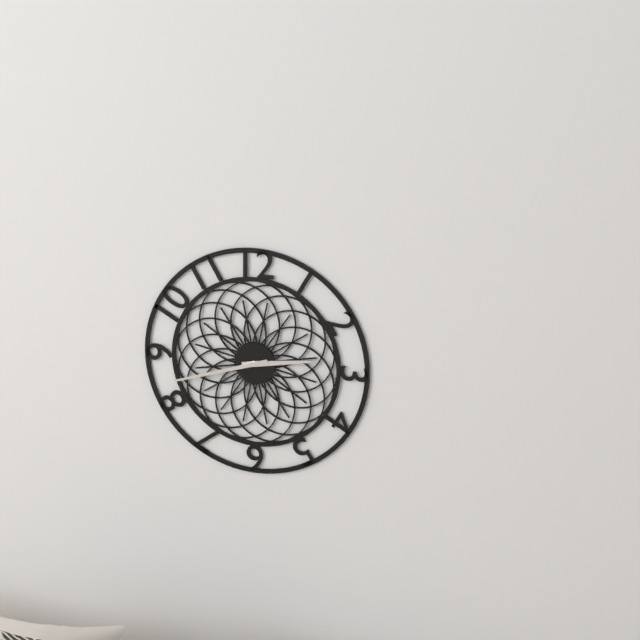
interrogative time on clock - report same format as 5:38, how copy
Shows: 2:42
